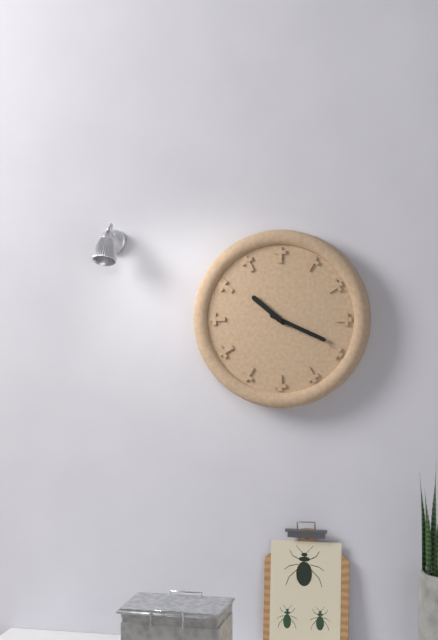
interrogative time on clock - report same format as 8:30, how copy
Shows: 10:19
